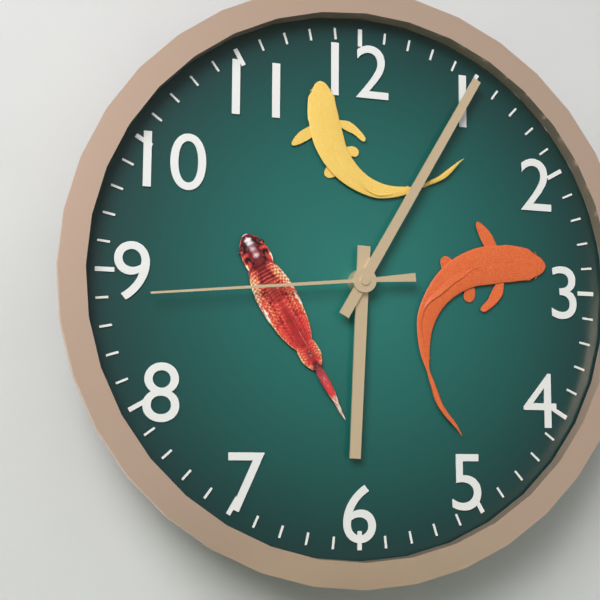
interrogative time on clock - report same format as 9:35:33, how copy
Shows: 6:05:44
